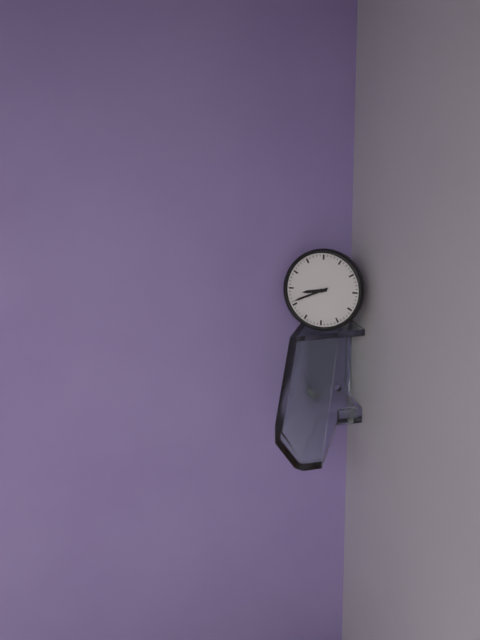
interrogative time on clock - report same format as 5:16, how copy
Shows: 8:41
